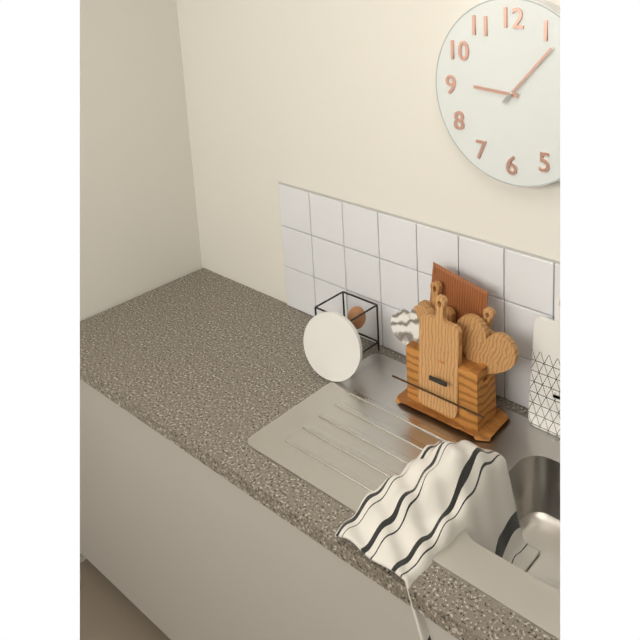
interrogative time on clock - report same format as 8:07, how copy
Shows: 9:07
